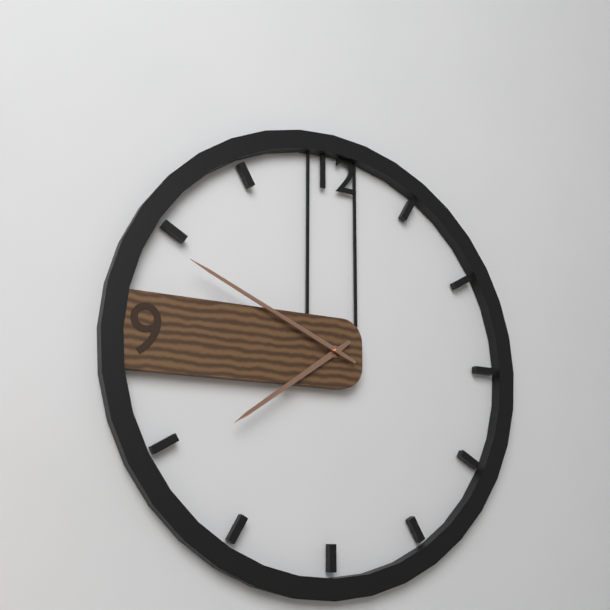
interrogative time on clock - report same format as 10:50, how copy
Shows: 7:49
